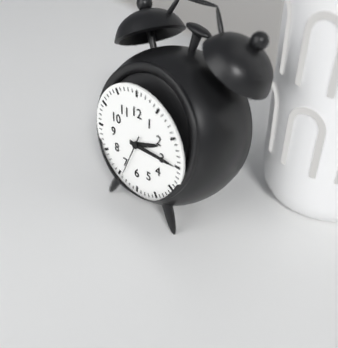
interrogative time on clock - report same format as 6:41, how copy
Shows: 2:15
